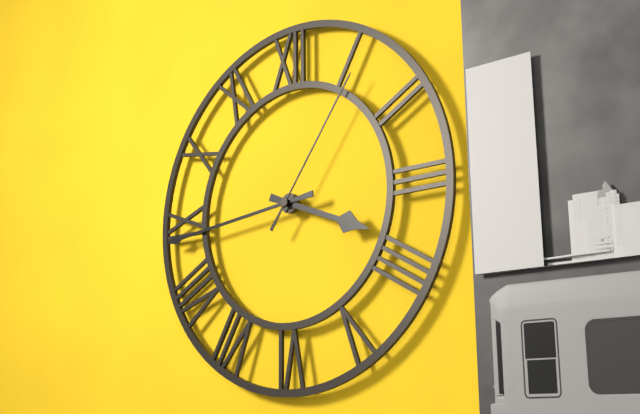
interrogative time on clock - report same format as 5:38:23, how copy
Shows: 3:44:06
